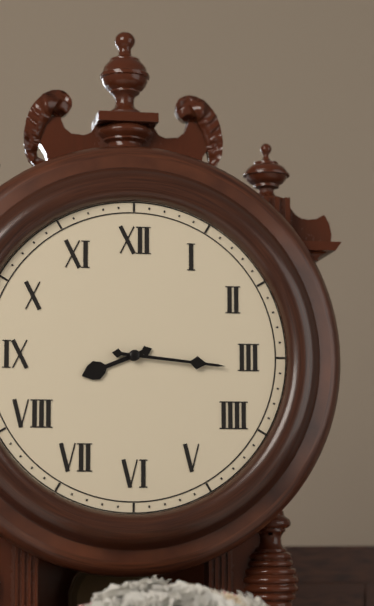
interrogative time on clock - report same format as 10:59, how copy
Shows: 8:16
